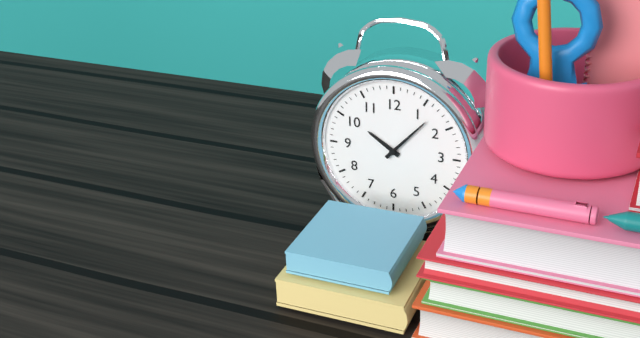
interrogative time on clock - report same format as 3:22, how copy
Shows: 10:07
